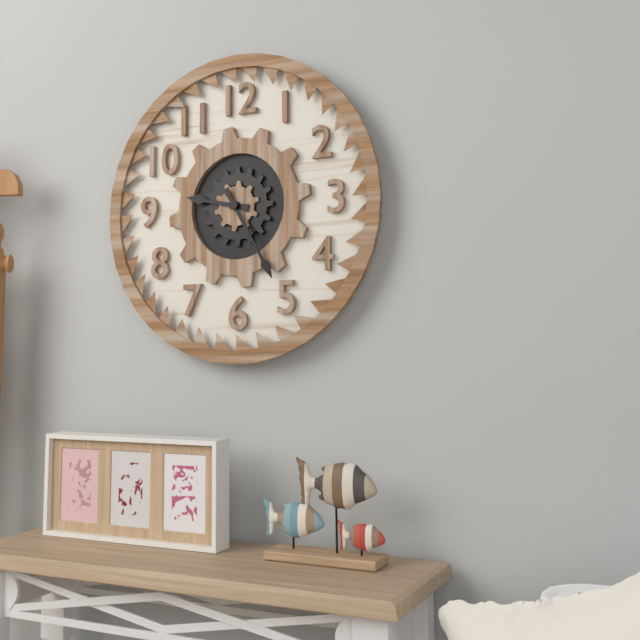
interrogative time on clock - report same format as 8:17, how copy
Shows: 9:25
